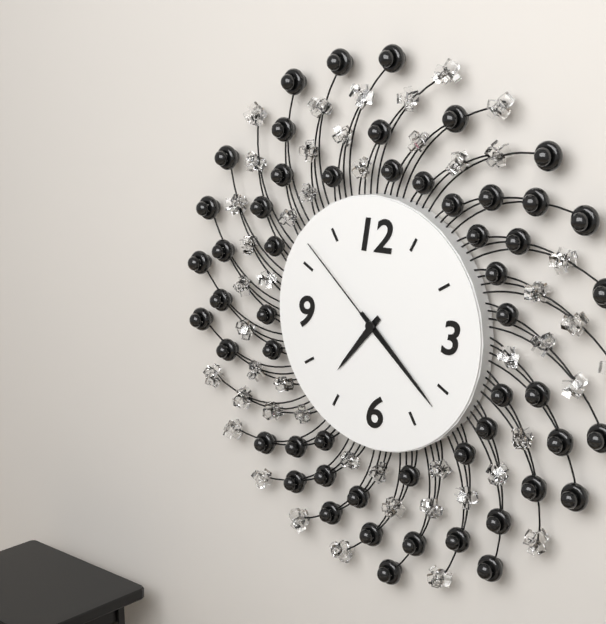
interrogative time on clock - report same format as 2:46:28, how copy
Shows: 7:22:52
